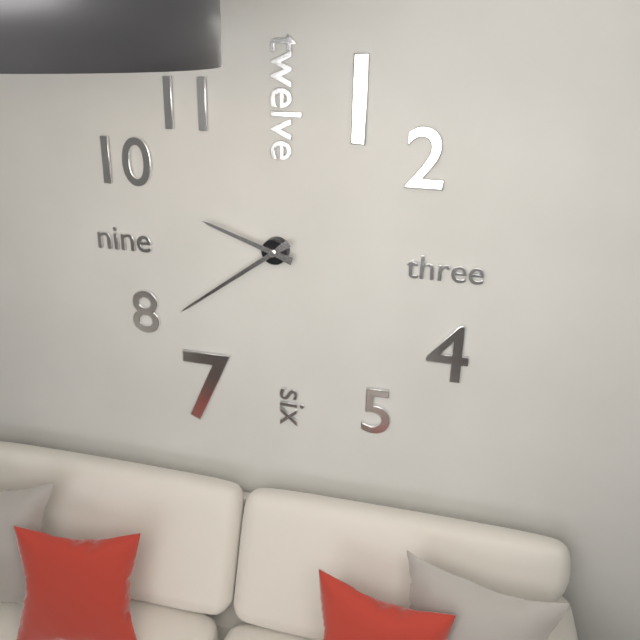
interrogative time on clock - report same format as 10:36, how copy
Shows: 9:39
